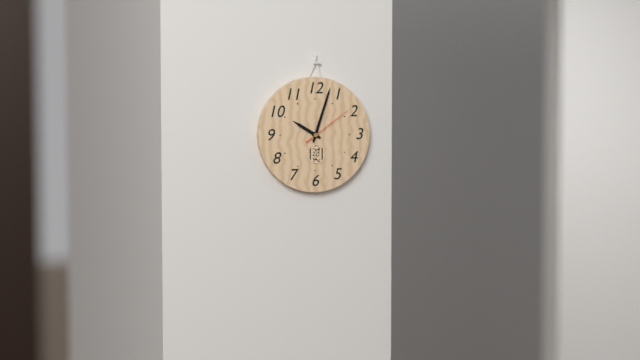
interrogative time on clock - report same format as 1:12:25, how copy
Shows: 10:03:09
